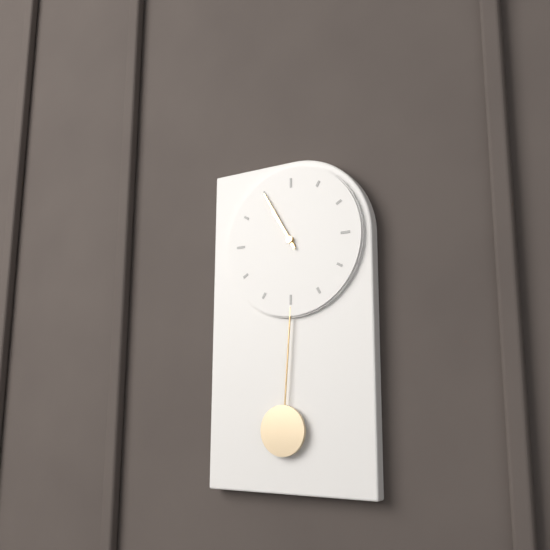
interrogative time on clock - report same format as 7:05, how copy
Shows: 10:55
